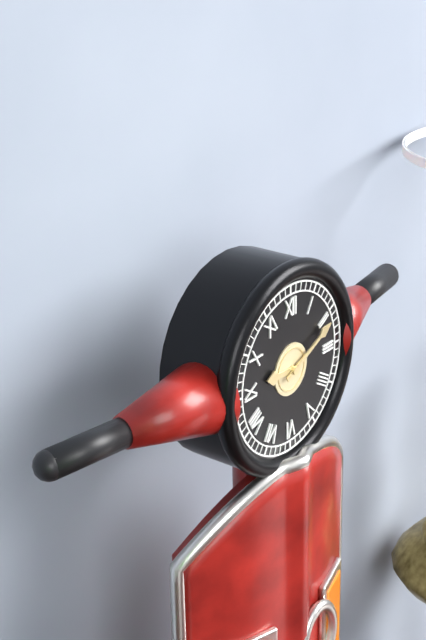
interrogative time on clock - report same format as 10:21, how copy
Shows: 9:11
